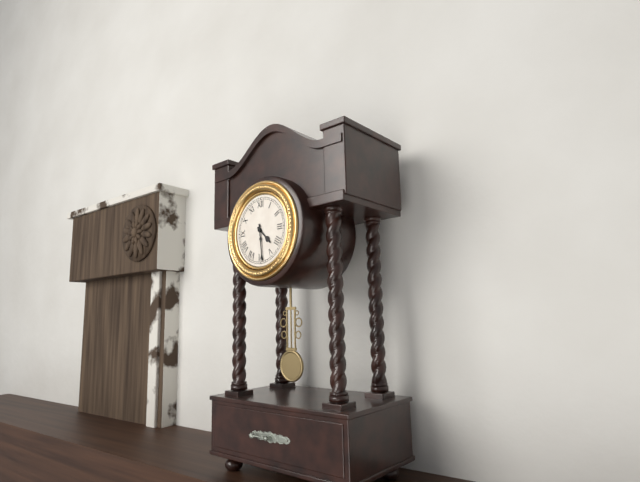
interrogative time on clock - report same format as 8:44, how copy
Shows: 4:29
